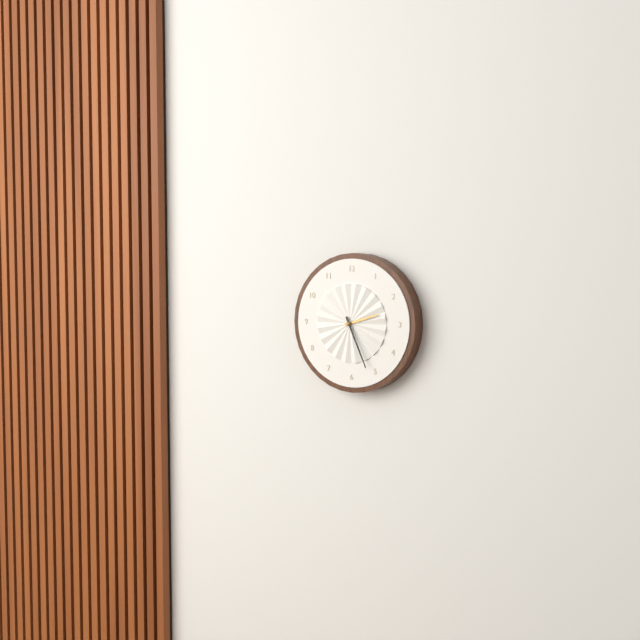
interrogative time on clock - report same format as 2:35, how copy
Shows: 2:26
